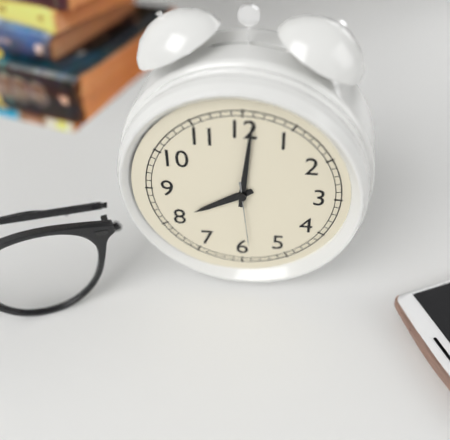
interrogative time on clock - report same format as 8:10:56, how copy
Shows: 8:01:29
